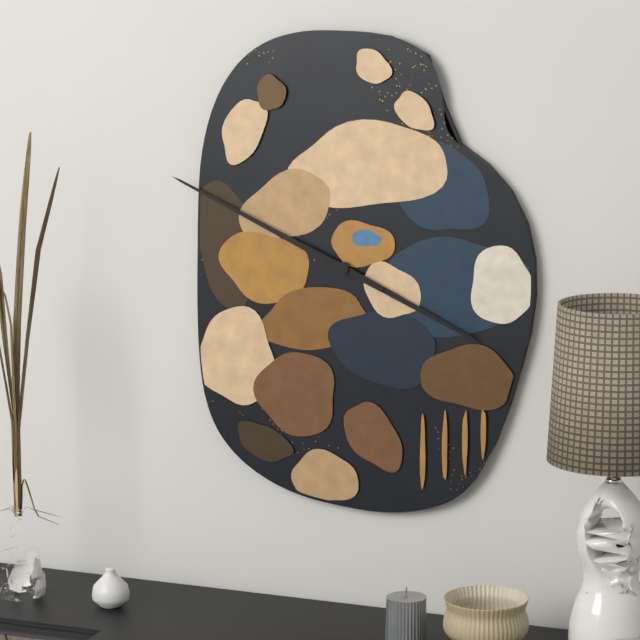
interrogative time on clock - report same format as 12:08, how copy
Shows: 3:49
